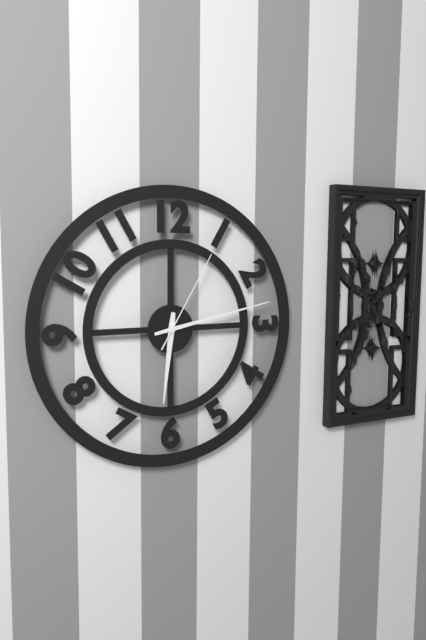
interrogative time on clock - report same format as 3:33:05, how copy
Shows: 6:13:05
